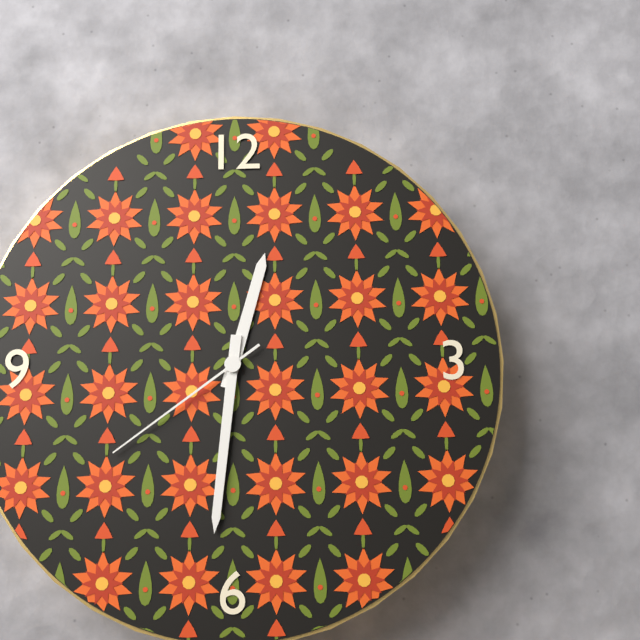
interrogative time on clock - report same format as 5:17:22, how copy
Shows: 12:31:39
